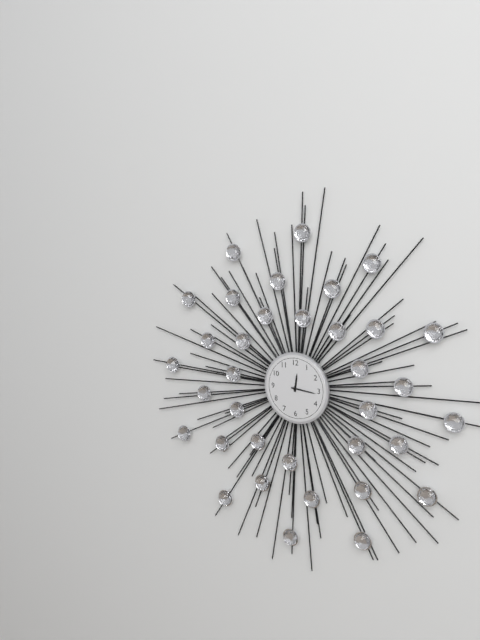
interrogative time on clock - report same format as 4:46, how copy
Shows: 12:16
